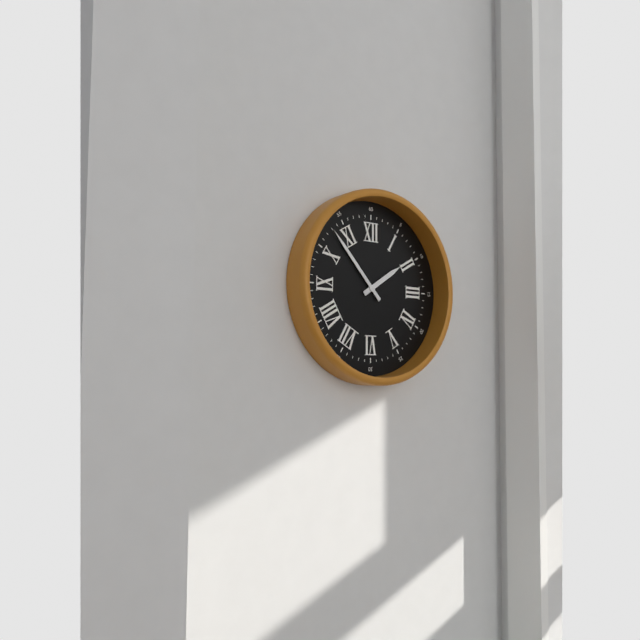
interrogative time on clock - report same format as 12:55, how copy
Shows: 1:53
